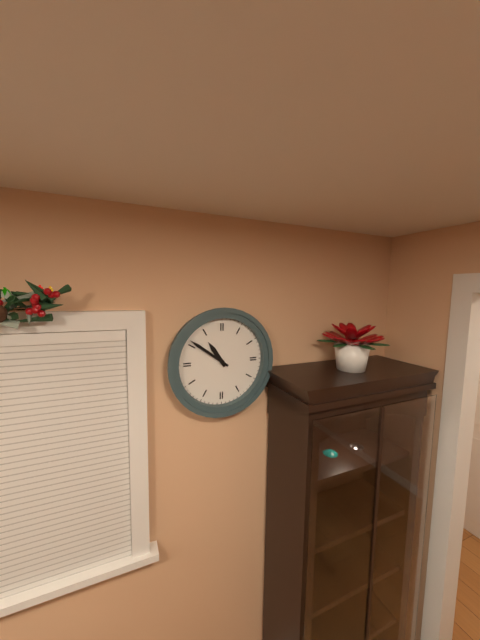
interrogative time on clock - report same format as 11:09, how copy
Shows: 10:51
